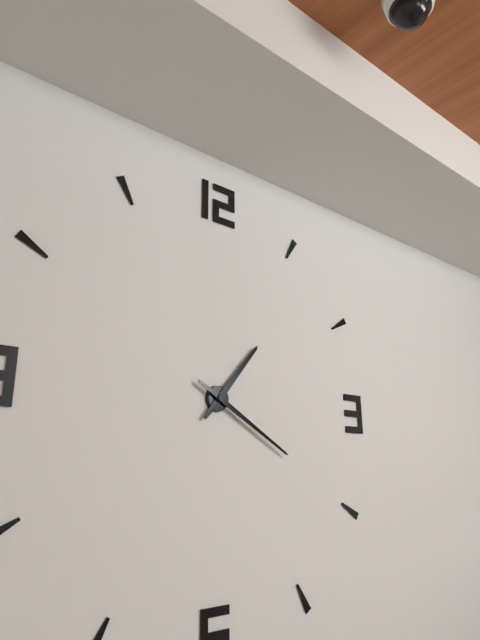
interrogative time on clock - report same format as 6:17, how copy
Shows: 1:20
